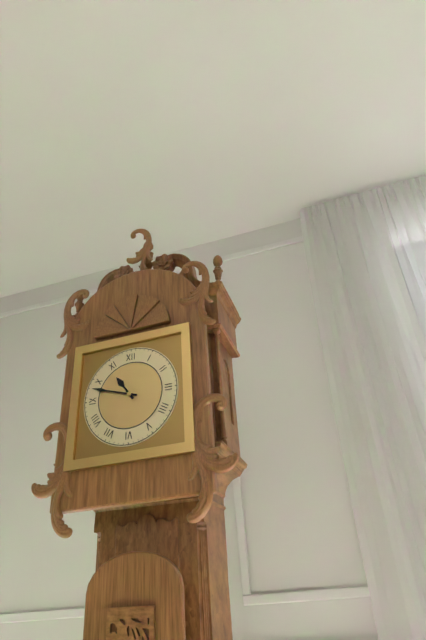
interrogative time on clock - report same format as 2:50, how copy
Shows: 10:48
